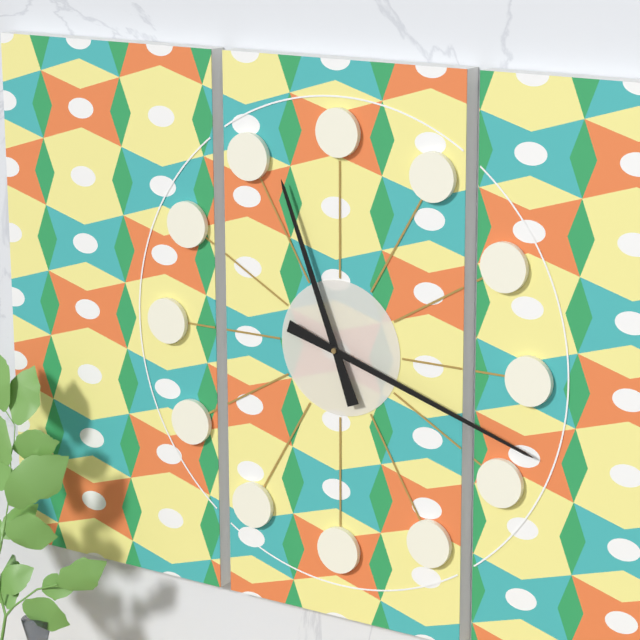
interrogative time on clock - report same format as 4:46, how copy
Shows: 11:18
